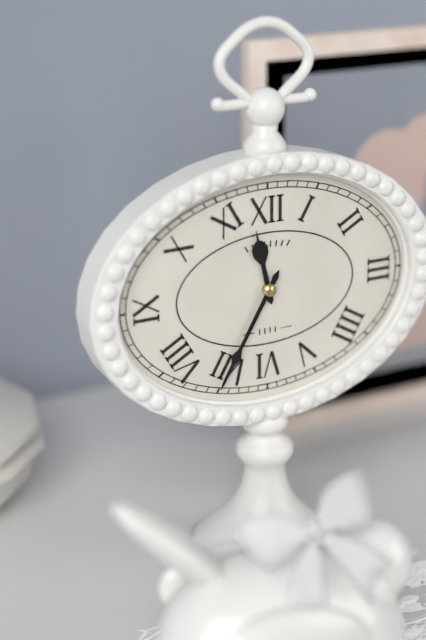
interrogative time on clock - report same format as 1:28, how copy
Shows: 11:35
